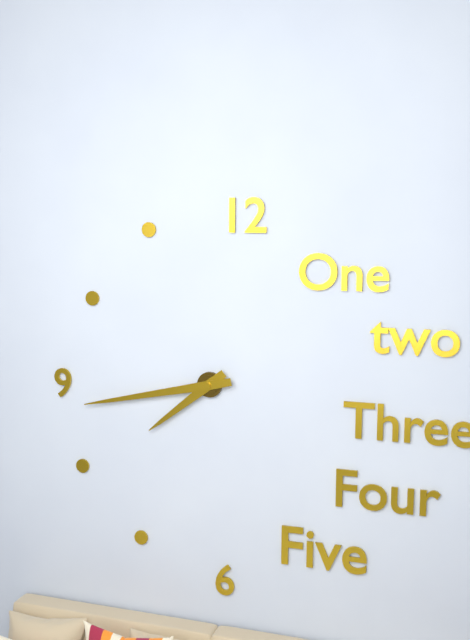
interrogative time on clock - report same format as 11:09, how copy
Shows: 7:43
